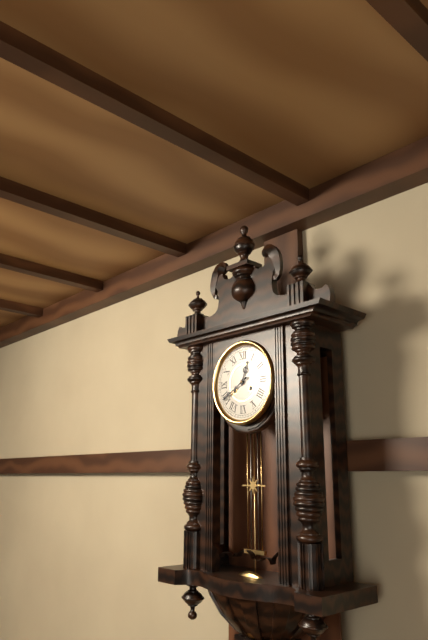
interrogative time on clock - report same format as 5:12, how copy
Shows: 12:40
